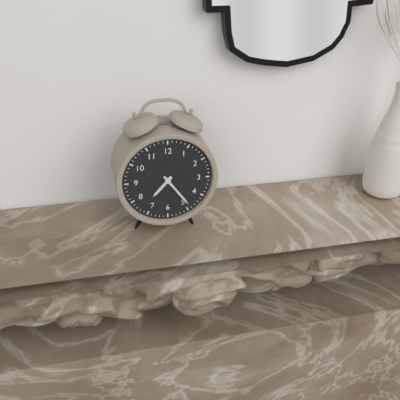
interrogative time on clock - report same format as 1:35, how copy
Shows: 7:24
